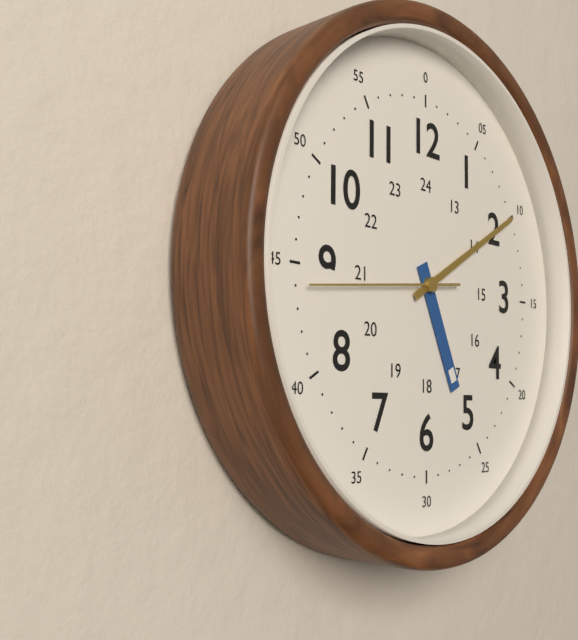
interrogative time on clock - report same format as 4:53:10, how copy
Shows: 5:10:44
